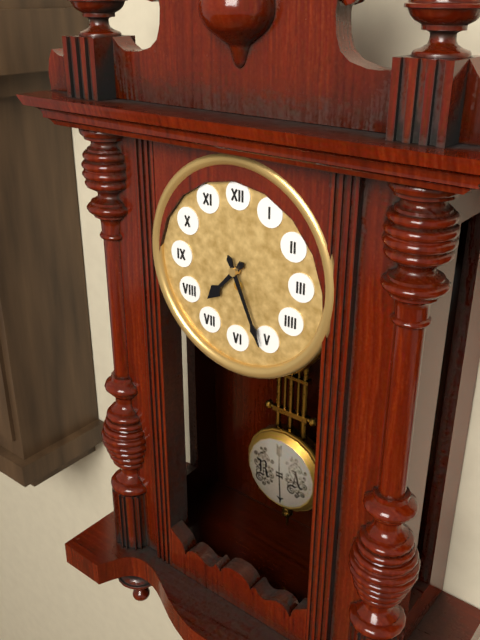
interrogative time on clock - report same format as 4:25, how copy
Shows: 7:26
